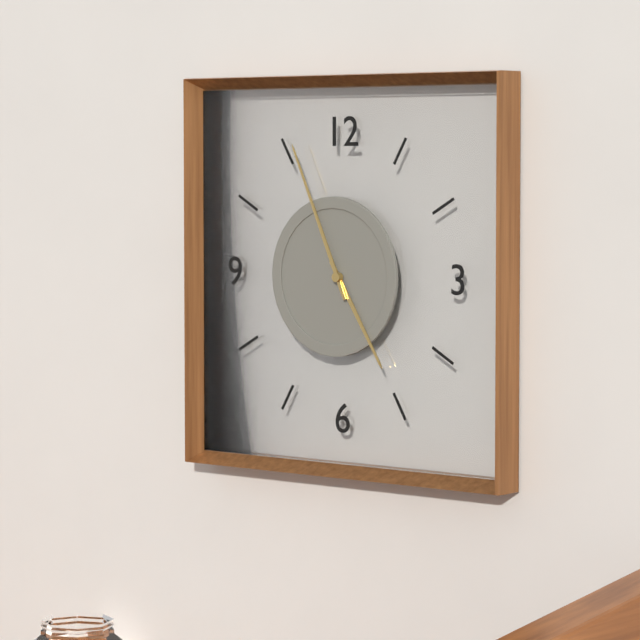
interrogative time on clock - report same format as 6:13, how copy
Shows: 4:56
